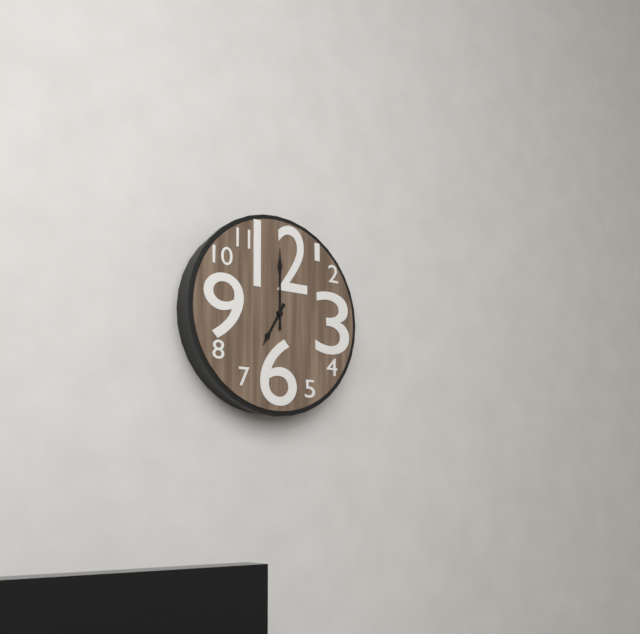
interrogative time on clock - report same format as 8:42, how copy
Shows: 7:00
